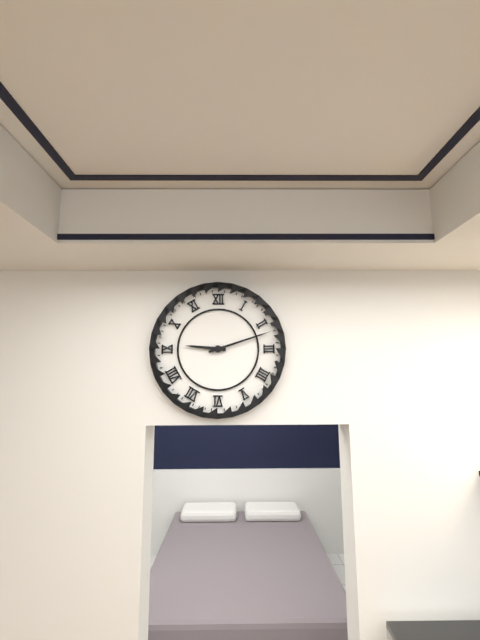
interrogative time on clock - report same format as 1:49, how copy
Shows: 9:12
